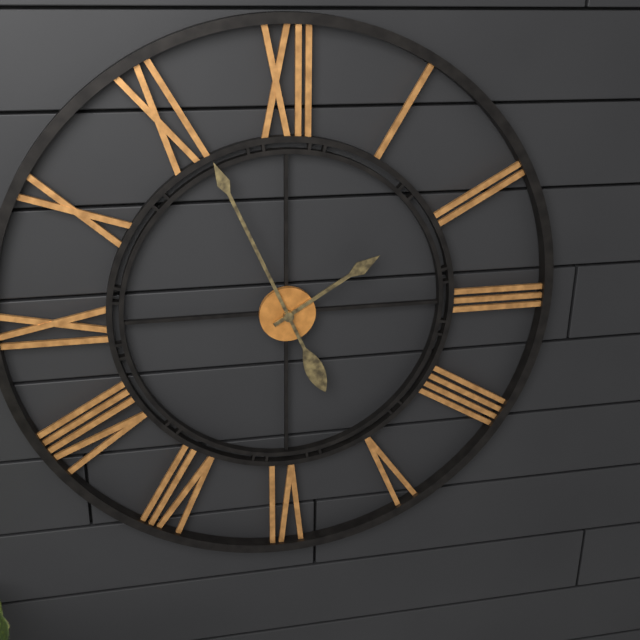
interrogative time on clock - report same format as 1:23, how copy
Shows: 1:56
